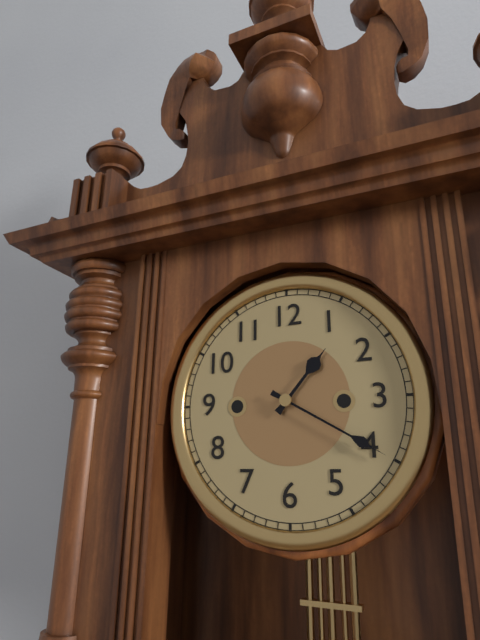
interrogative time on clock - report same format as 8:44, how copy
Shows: 1:20
